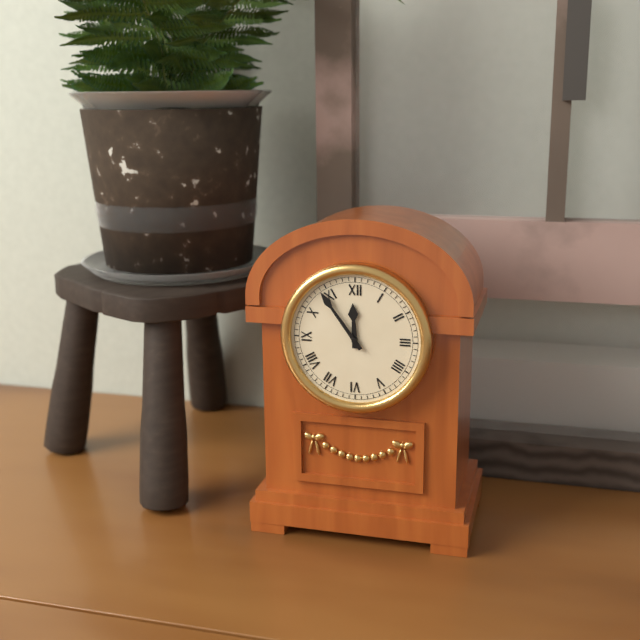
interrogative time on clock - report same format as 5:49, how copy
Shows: 11:54
